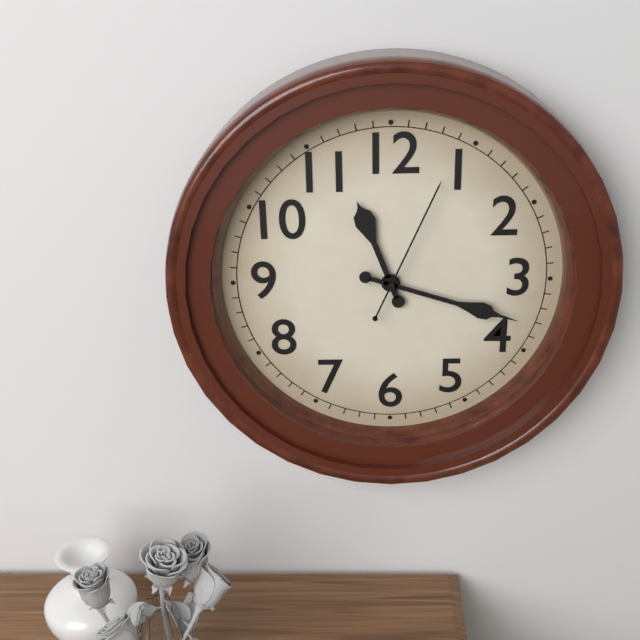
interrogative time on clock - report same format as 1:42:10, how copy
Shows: 11:18:04
